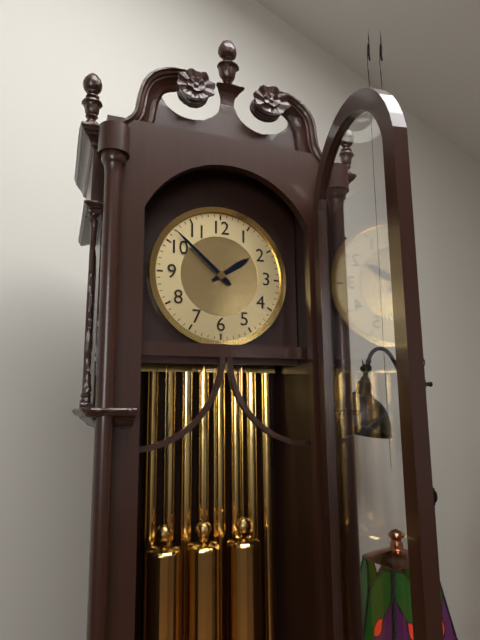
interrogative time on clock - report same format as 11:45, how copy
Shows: 1:52
